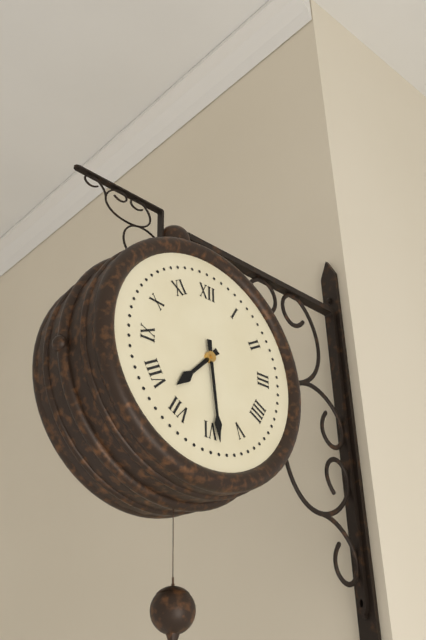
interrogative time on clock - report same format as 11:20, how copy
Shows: 7:29
